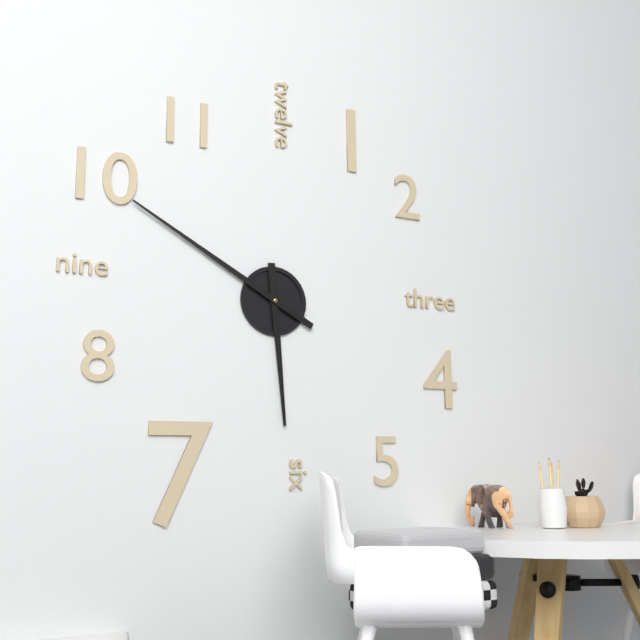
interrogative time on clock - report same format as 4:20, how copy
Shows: 5:50
